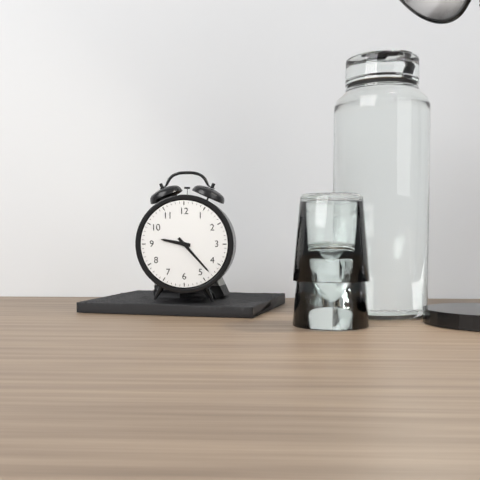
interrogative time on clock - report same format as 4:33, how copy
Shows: 9:23
